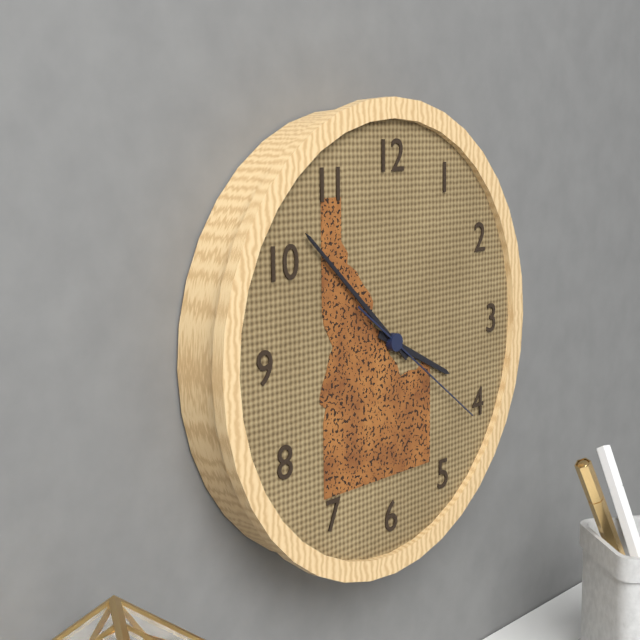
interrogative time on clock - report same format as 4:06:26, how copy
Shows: 3:52:21
